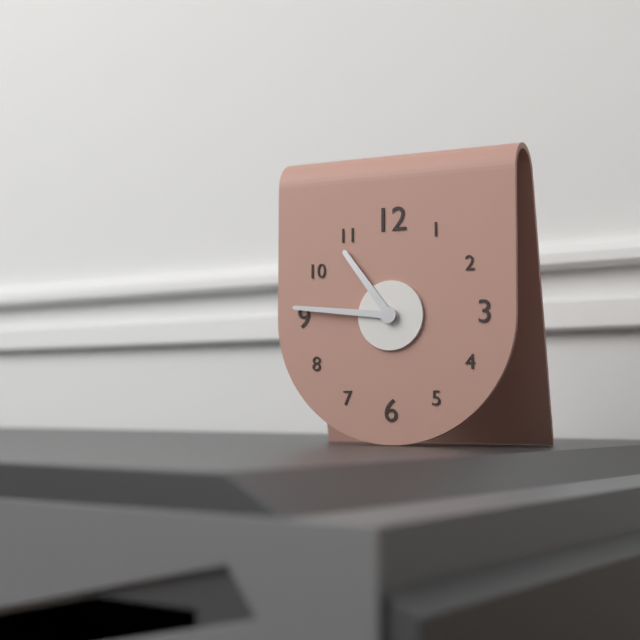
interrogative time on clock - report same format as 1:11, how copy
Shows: 10:46
